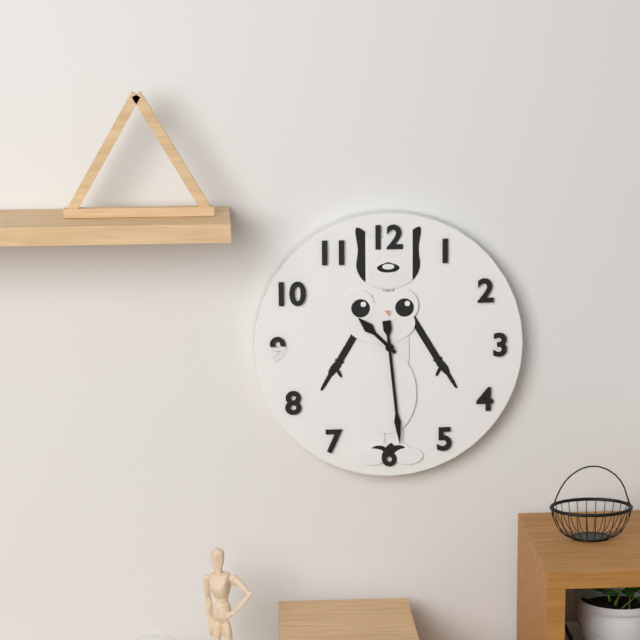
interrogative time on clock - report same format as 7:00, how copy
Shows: 10:29
